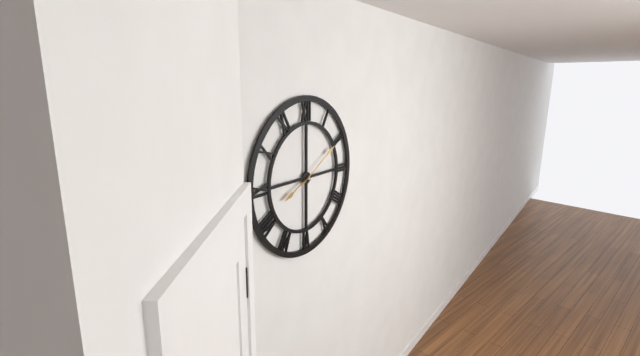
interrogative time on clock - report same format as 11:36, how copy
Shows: 8:10
